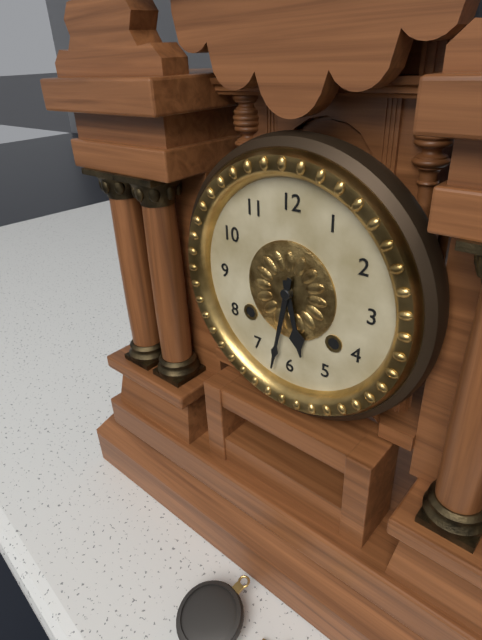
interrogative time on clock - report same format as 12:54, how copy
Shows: 5:32
